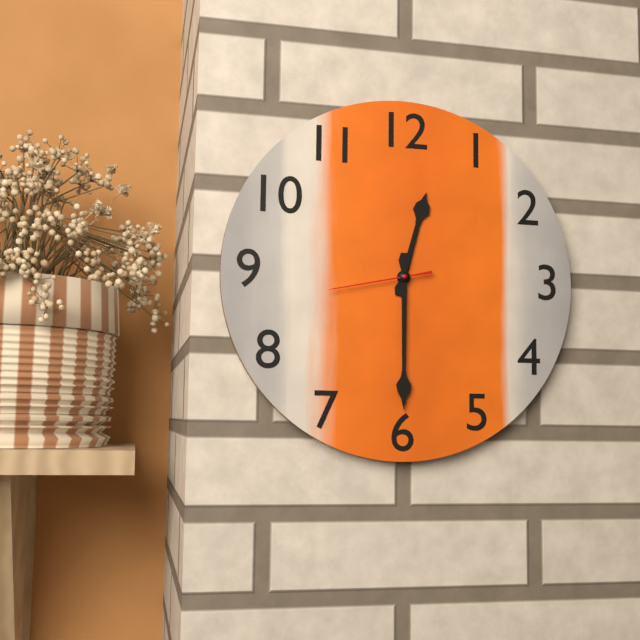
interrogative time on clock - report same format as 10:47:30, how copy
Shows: 12:30:43
